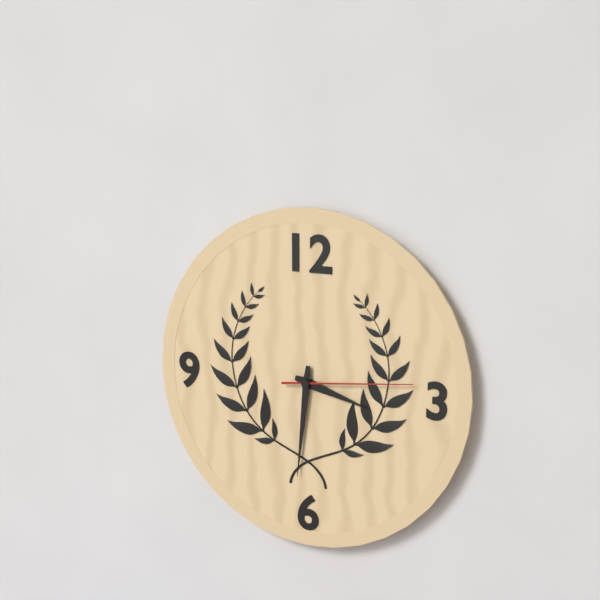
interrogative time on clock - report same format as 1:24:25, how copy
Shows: 3:31:14
